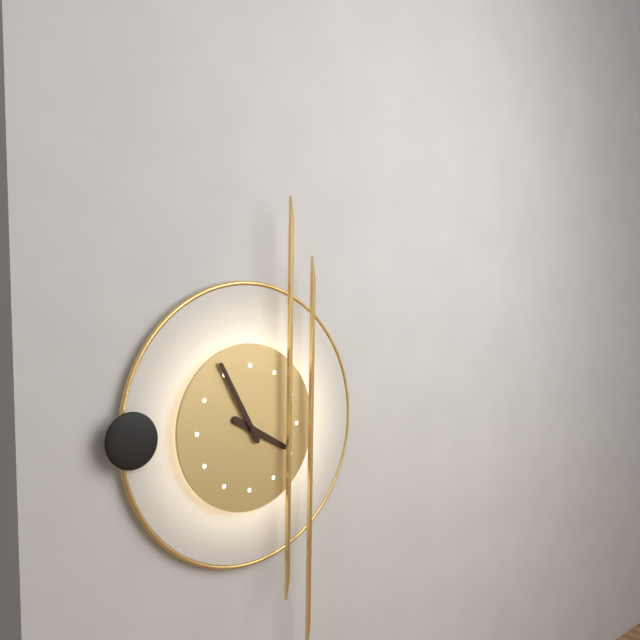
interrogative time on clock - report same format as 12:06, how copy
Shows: 3:55
